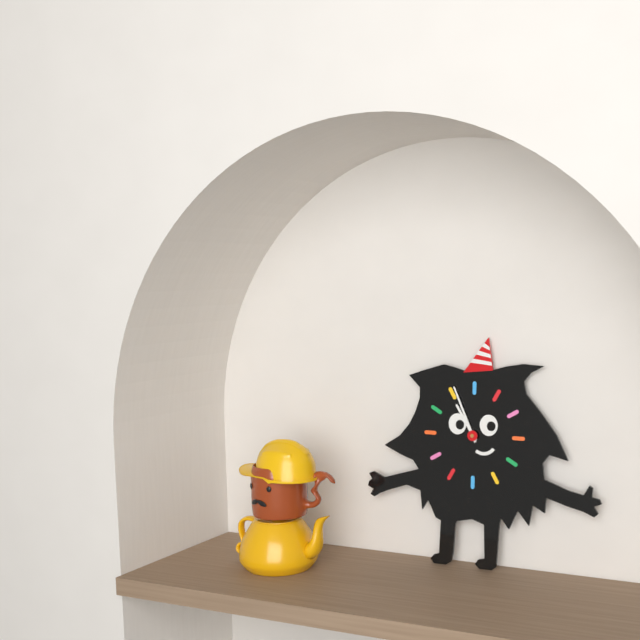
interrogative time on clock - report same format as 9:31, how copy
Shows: 10:56
